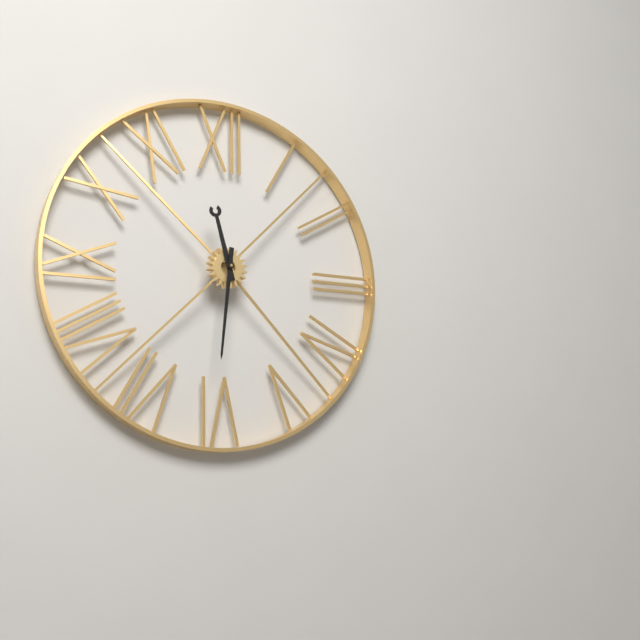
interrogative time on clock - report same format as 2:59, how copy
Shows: 11:31
